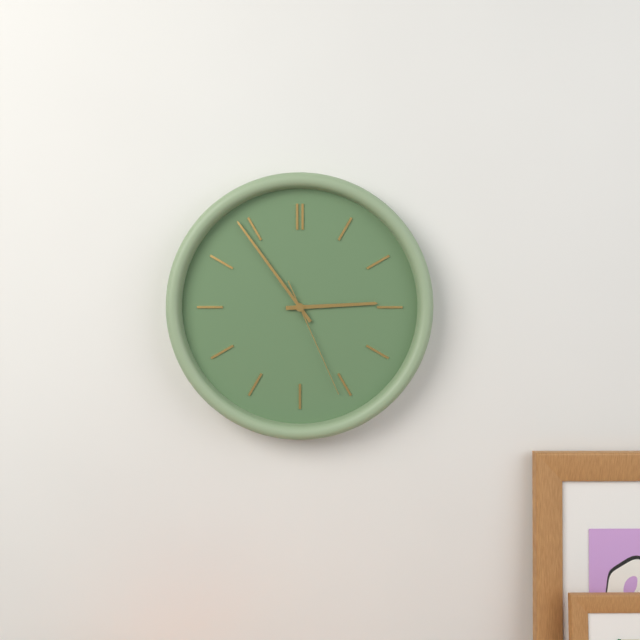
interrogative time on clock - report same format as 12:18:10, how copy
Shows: 2:54:26
